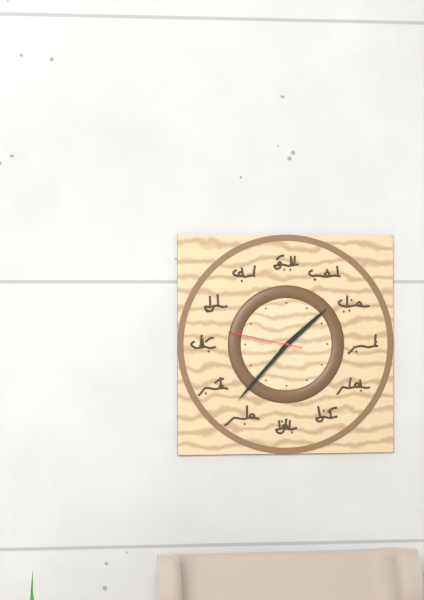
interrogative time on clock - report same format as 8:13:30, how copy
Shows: 1:37:47
